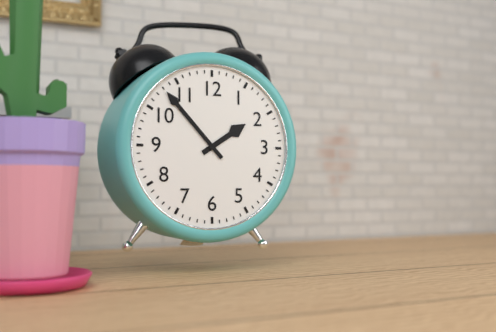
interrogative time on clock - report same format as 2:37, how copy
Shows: 1:53
